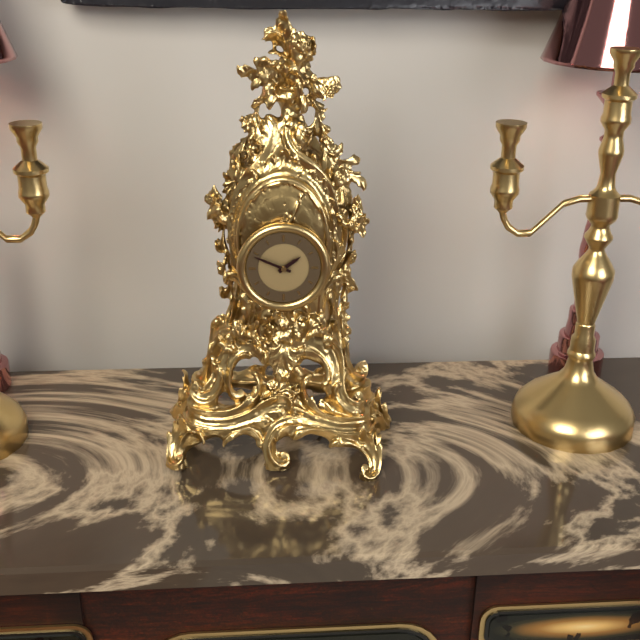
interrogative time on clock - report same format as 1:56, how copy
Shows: 1:49
